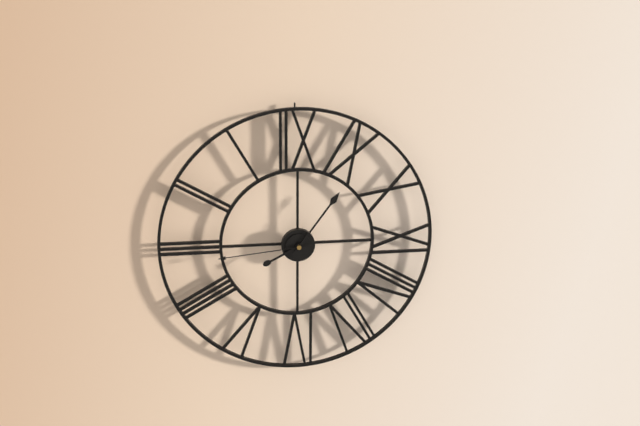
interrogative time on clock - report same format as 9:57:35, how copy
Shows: 8:06:44
